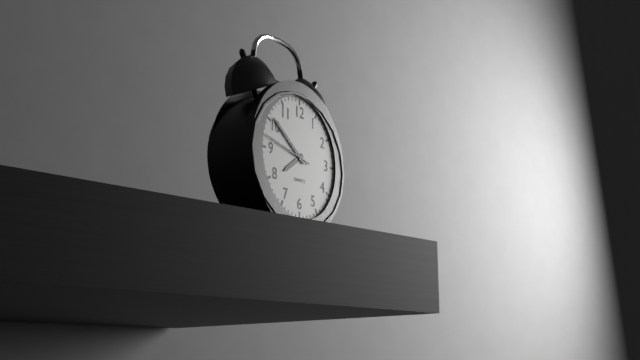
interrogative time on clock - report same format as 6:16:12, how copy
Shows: 7:51:47
